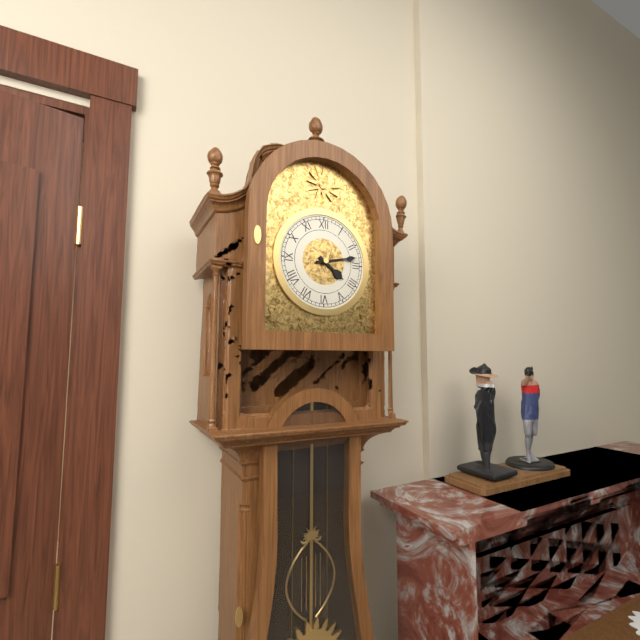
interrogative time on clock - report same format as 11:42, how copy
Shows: 4:13
